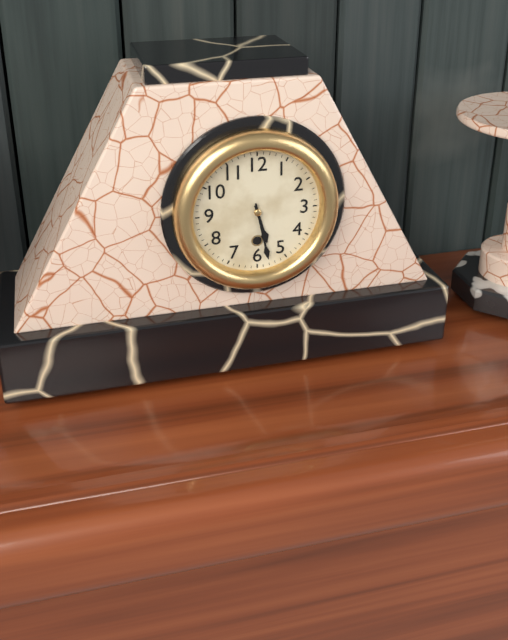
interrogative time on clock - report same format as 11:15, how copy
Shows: 5:28
